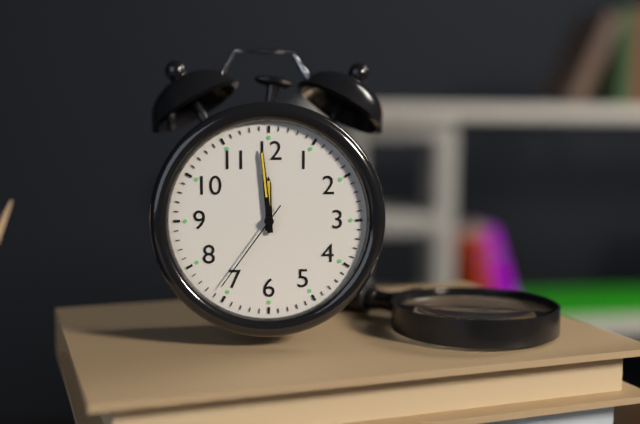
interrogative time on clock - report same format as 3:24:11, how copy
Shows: 11:59:36
